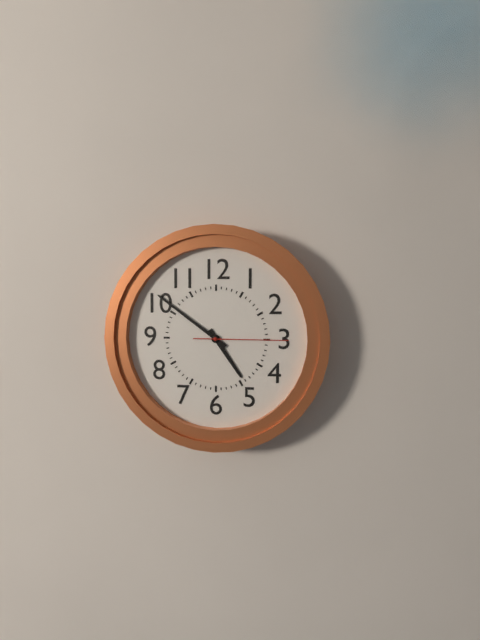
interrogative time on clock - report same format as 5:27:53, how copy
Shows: 4:51:15
